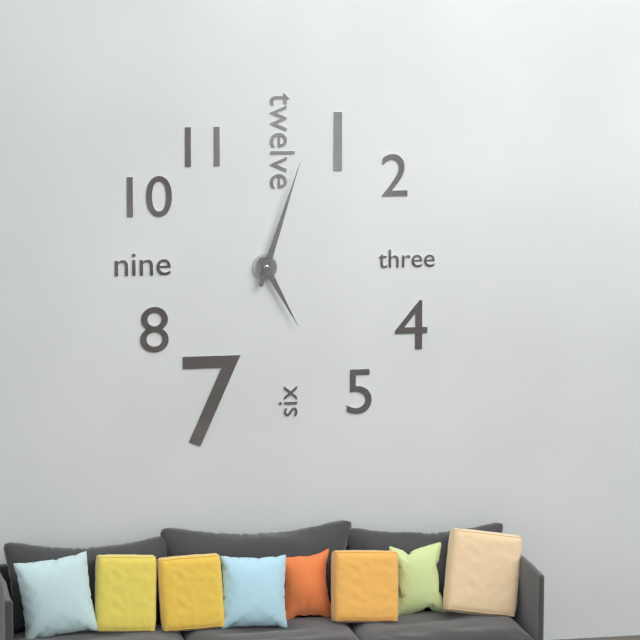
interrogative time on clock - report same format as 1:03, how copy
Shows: 5:03
